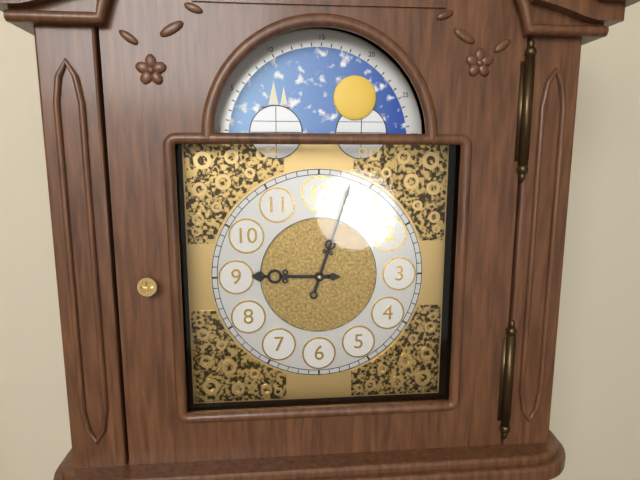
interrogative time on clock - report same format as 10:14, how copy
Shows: 9:03
